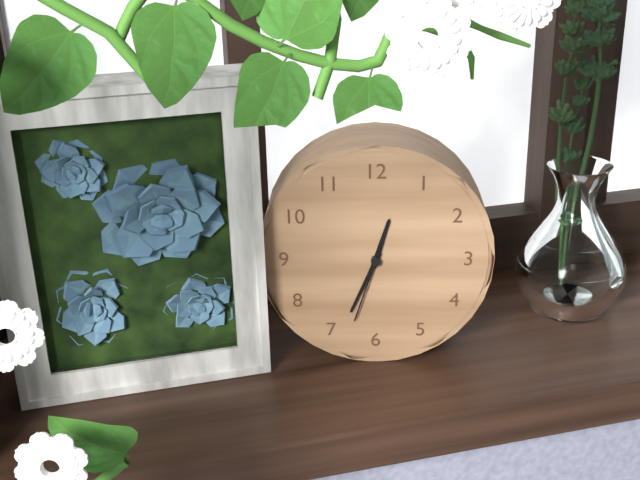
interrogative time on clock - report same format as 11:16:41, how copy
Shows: 12:34:33
